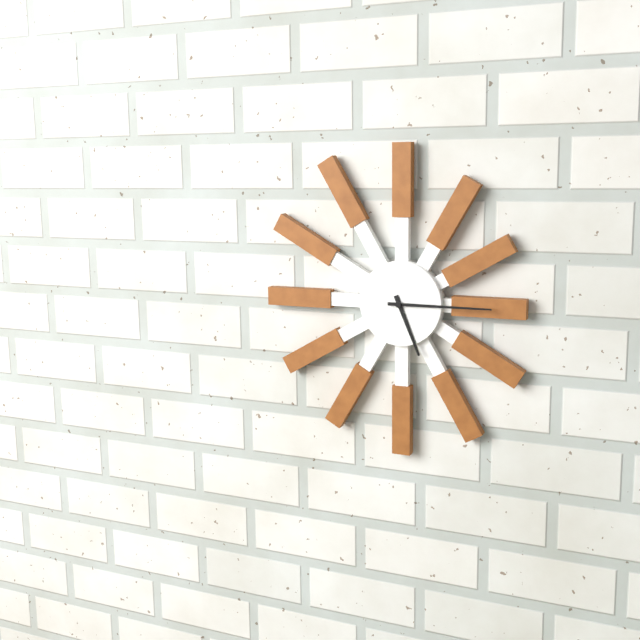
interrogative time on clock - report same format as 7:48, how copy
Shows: 5:15
